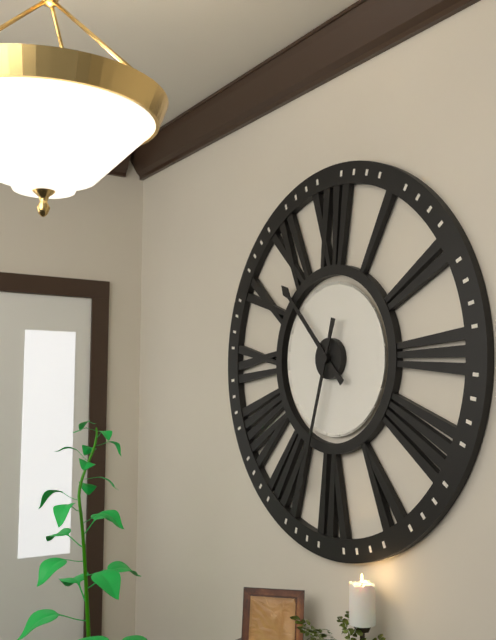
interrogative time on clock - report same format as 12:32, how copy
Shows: 10:33
